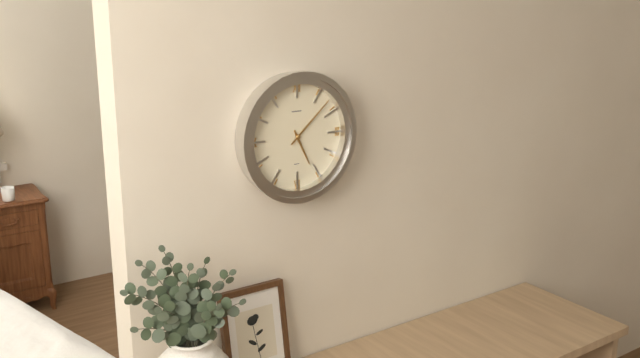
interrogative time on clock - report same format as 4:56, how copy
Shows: 5:08
